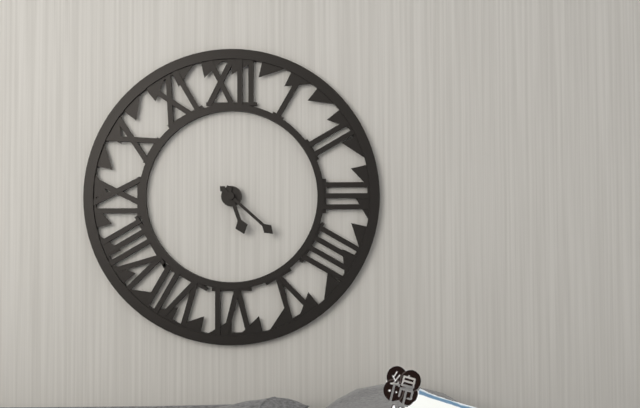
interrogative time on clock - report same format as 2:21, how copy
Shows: 5:22
